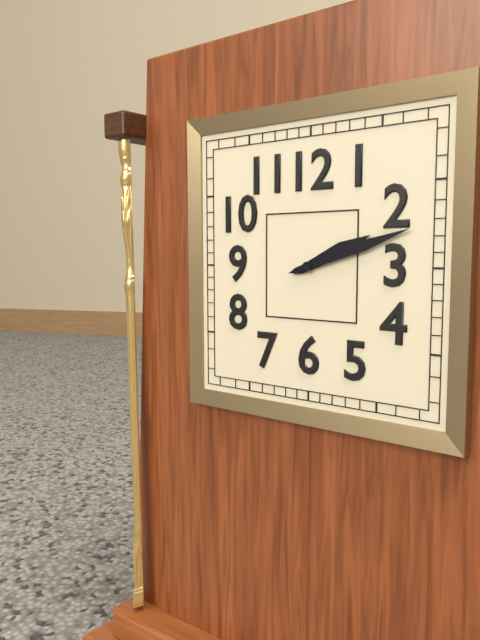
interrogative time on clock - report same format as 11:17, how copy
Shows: 2:12
